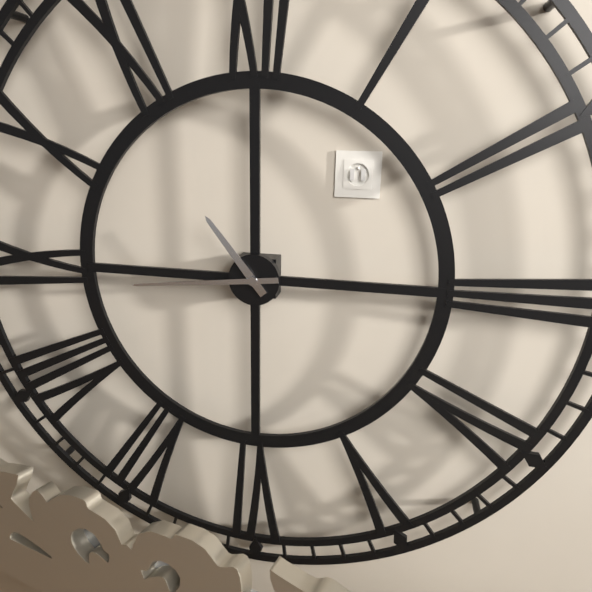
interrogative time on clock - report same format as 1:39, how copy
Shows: 10:44
